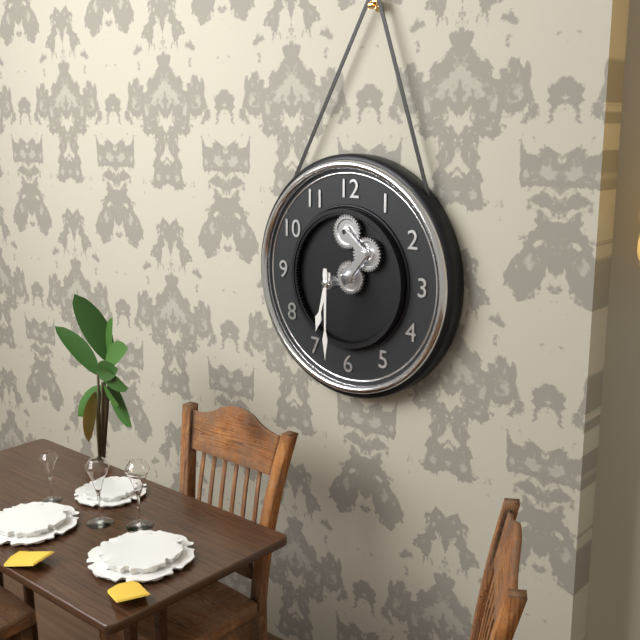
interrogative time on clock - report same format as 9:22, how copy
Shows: 6:30
